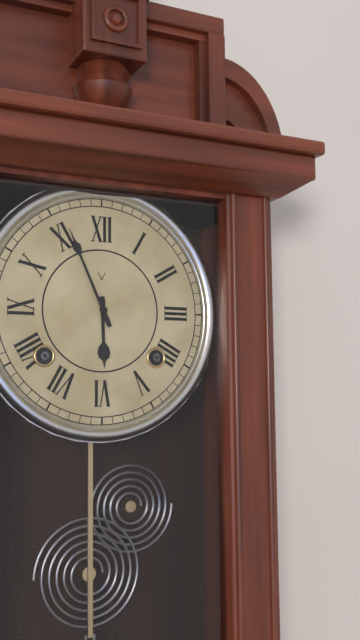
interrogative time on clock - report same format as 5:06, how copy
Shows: 5:56
